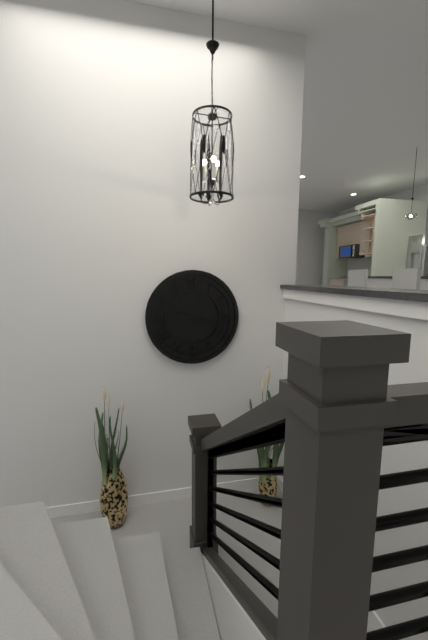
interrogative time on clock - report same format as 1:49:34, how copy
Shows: 9:18:50
